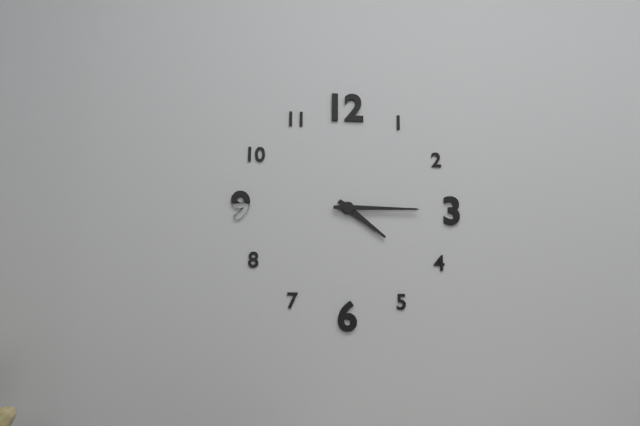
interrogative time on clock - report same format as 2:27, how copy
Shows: 4:15
